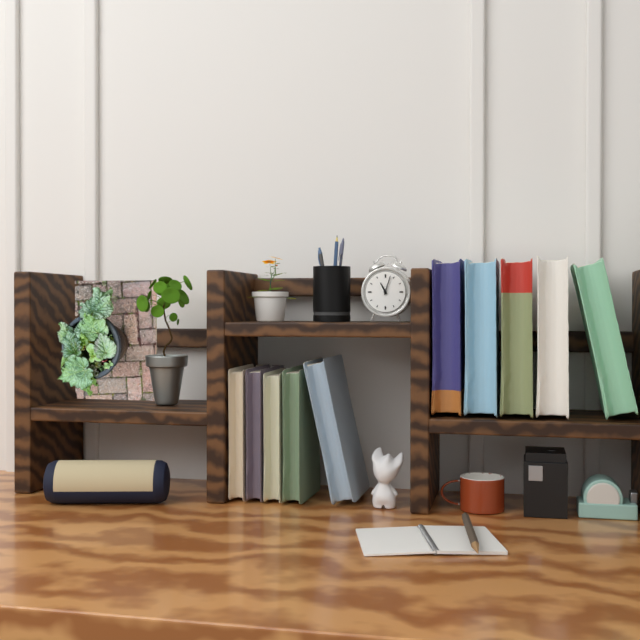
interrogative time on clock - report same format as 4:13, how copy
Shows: 11:03
